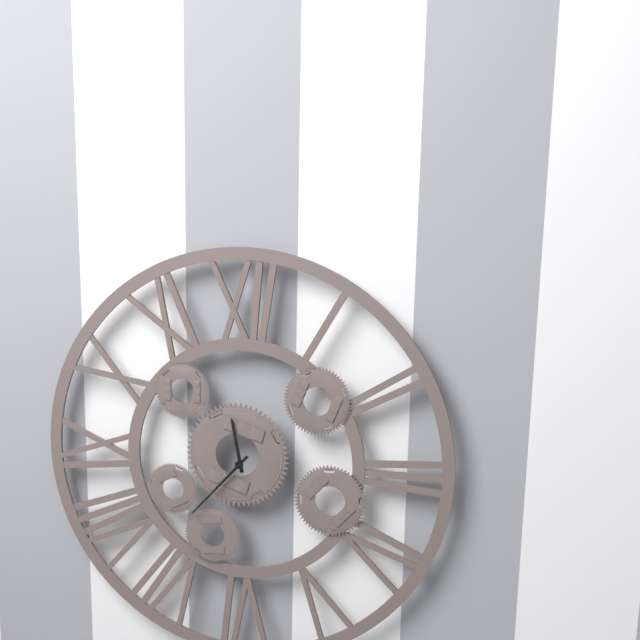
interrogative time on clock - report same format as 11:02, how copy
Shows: 11:37
